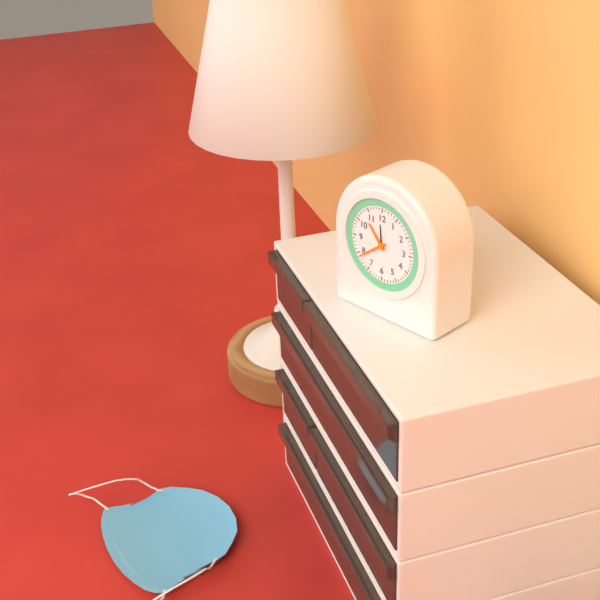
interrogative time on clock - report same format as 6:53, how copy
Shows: 10:39
